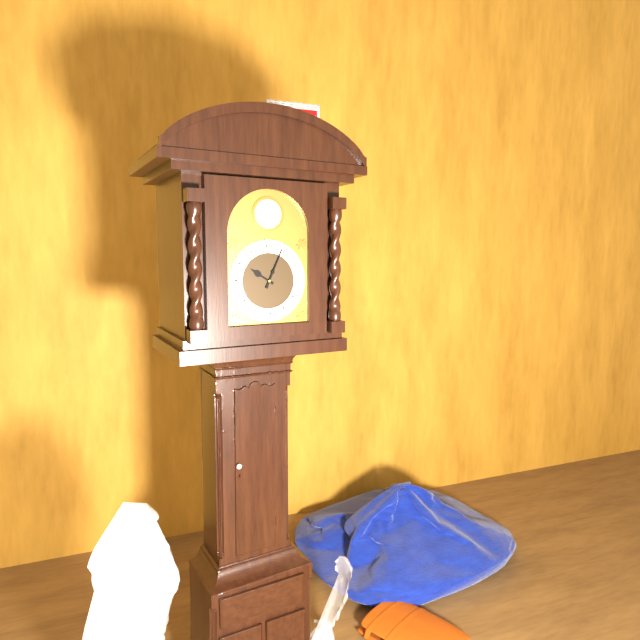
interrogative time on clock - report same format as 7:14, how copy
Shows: 10:04
